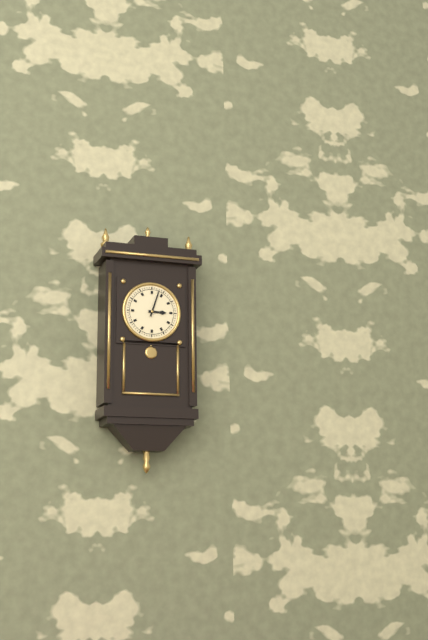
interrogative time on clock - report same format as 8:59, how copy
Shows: 3:03
